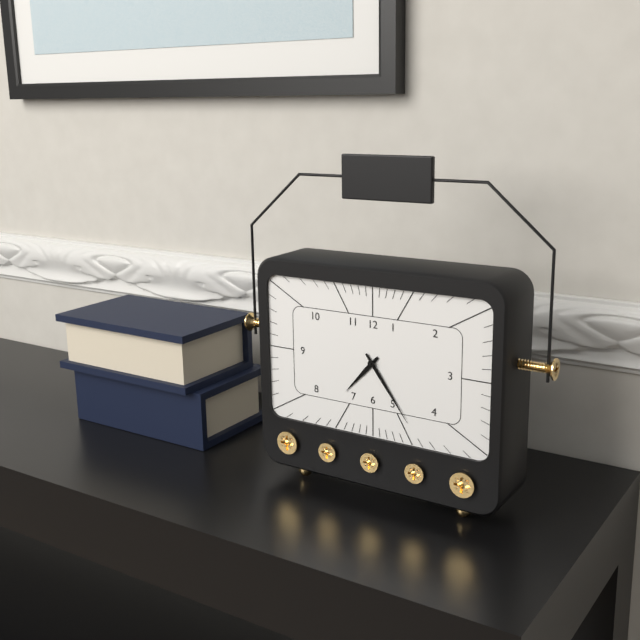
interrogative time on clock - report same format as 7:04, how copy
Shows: 7:24
